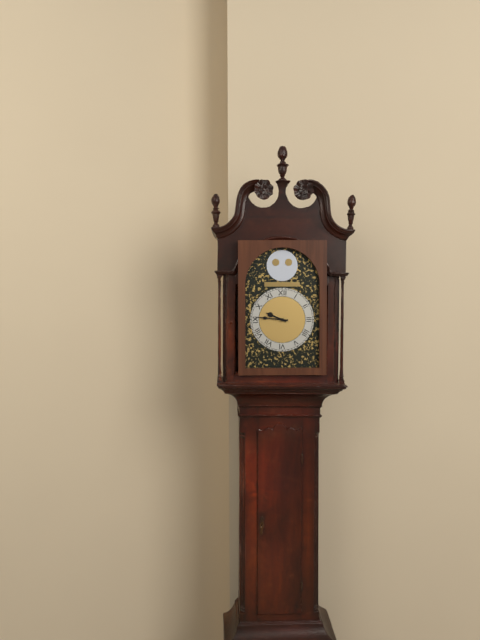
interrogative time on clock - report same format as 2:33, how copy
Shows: 9:46
